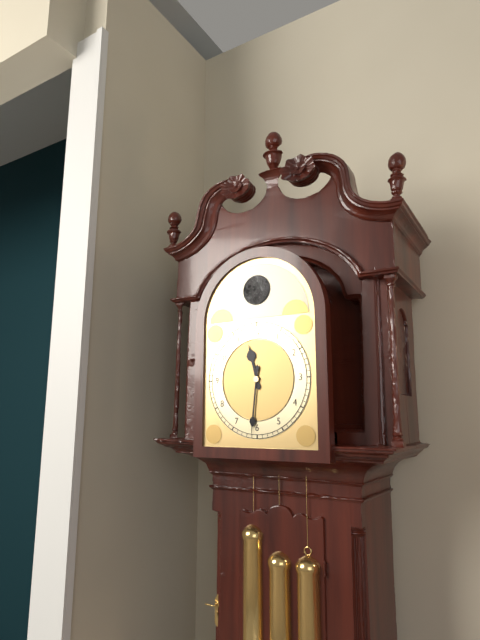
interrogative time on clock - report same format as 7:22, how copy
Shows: 11:31
